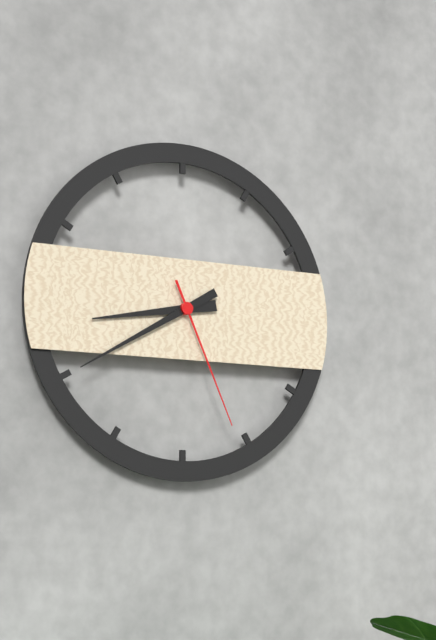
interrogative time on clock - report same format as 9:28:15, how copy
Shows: 8:40:26
